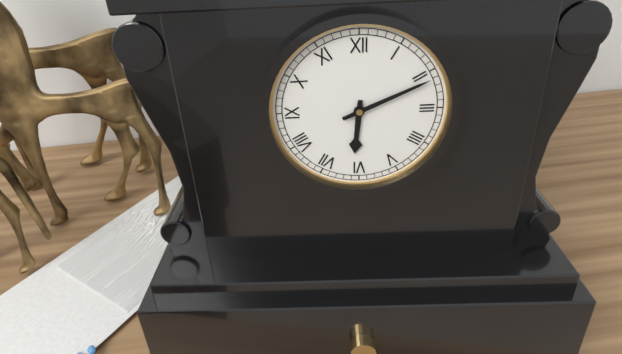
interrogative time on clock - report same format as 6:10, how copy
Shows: 6:11
